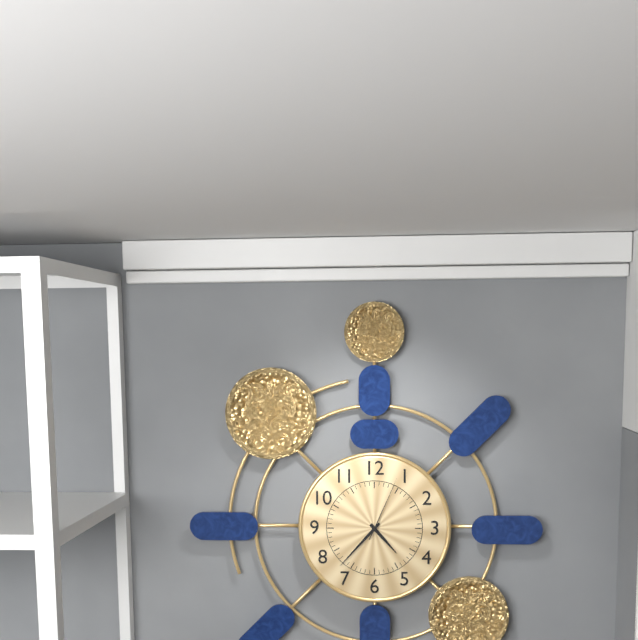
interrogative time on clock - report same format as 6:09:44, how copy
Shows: 4:37:04
